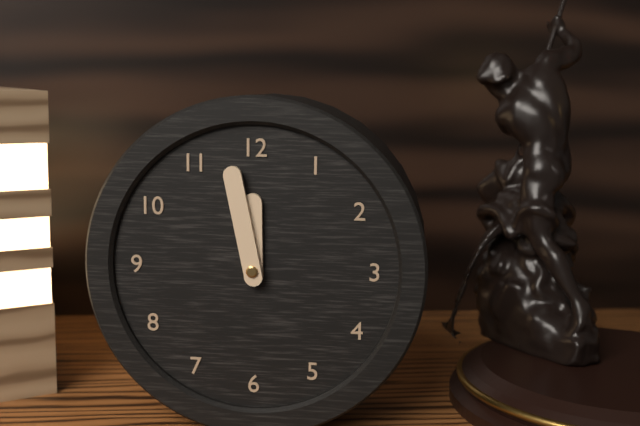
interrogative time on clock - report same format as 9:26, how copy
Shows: 11:58
